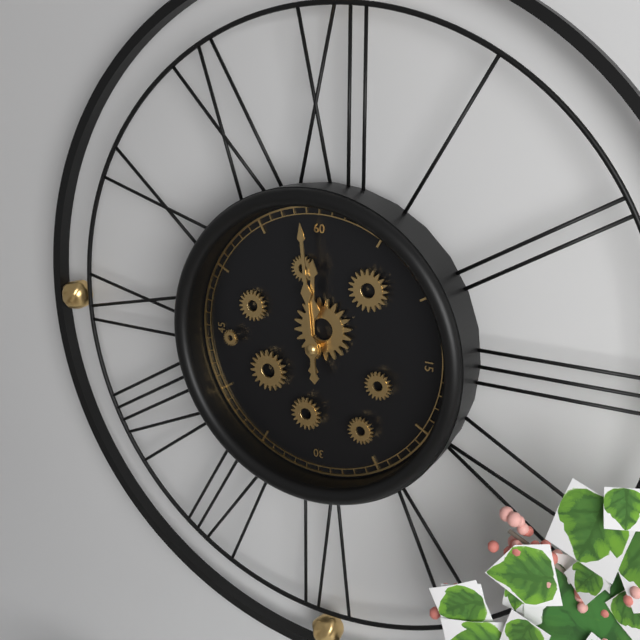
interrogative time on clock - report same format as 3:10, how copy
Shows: 11:59
